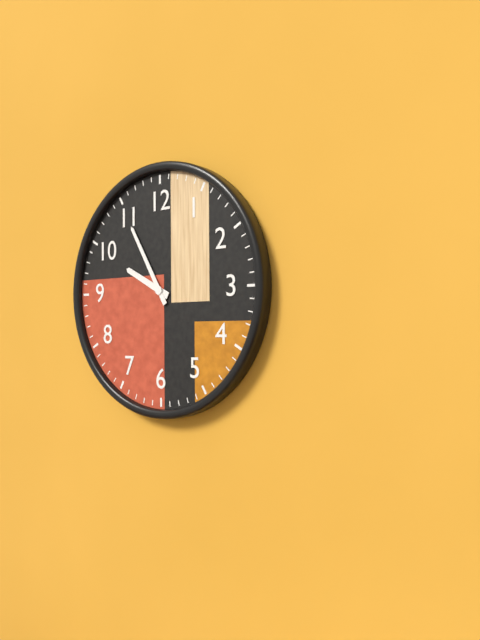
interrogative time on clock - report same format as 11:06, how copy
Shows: 9:55
